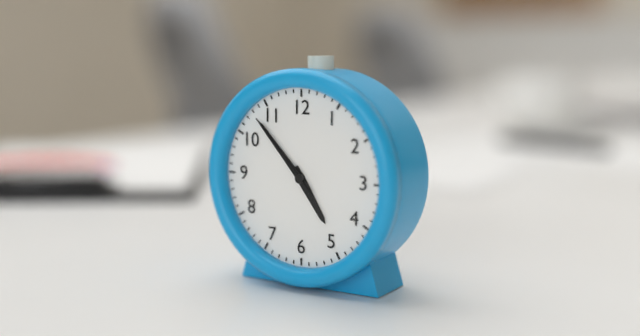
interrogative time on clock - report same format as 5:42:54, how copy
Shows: 4:53:53
